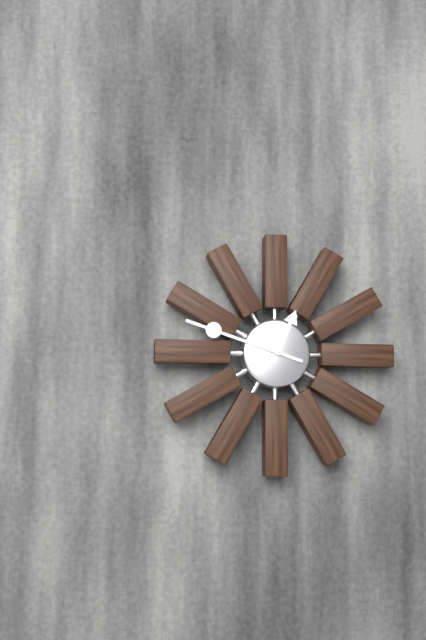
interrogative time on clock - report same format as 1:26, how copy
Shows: 12:48
